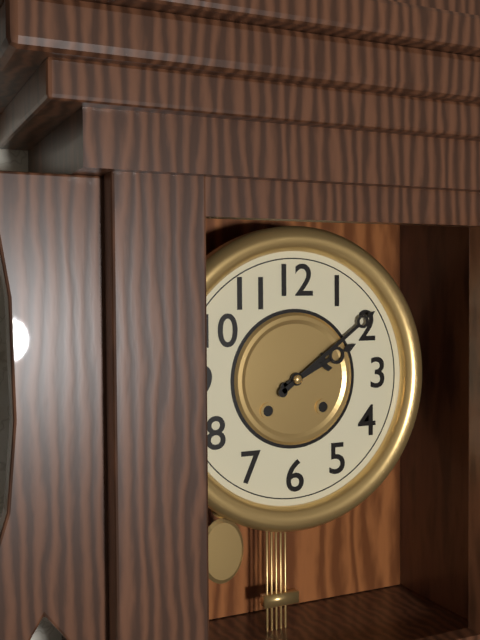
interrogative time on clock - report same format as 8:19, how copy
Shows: 2:09
